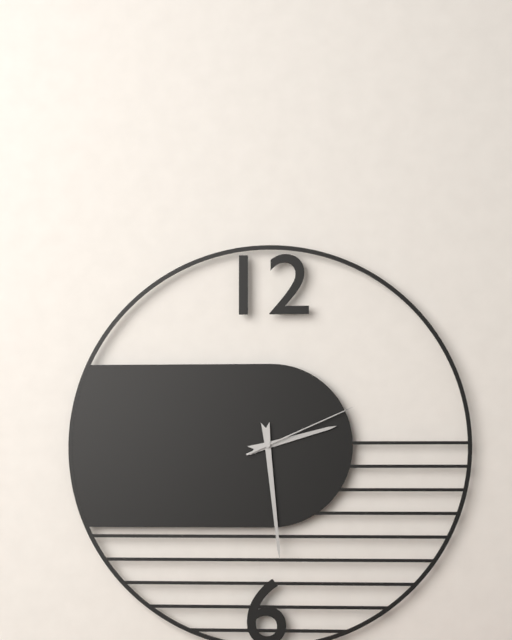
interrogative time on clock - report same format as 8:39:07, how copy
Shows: 2:29:11
